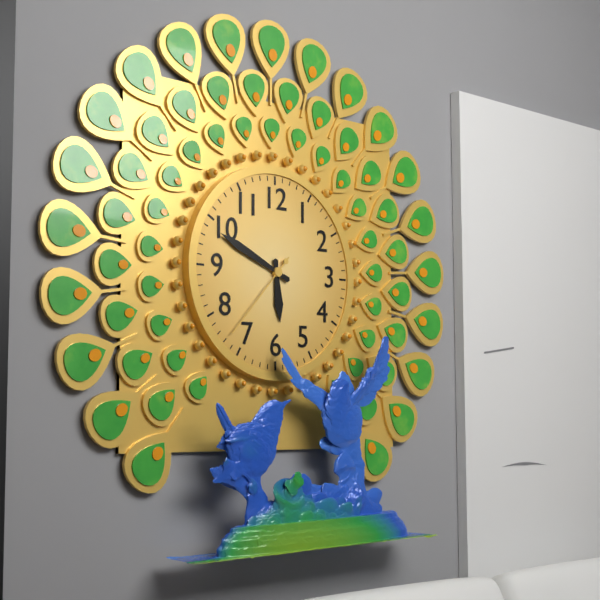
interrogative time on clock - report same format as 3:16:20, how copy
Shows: 5:49:37
